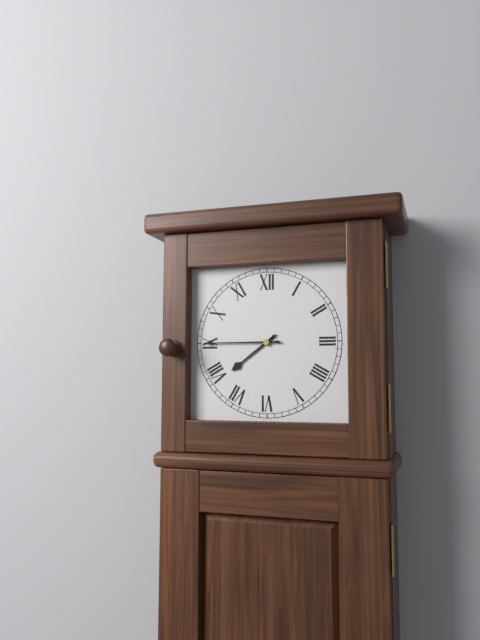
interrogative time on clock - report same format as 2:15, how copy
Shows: 7:45
